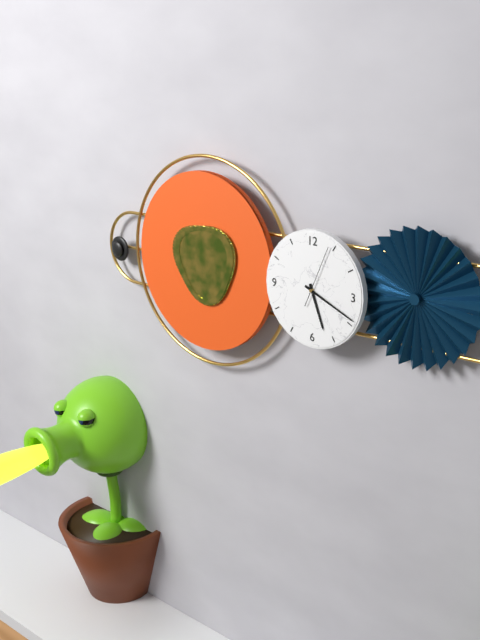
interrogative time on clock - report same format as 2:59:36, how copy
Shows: 5:19:04
